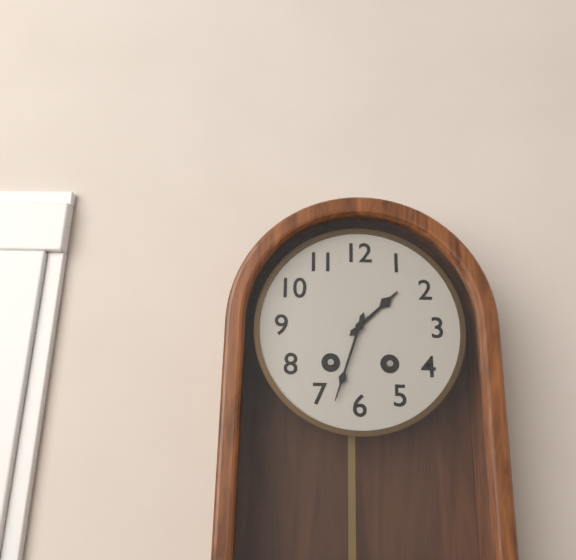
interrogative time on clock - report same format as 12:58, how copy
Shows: 1:33
